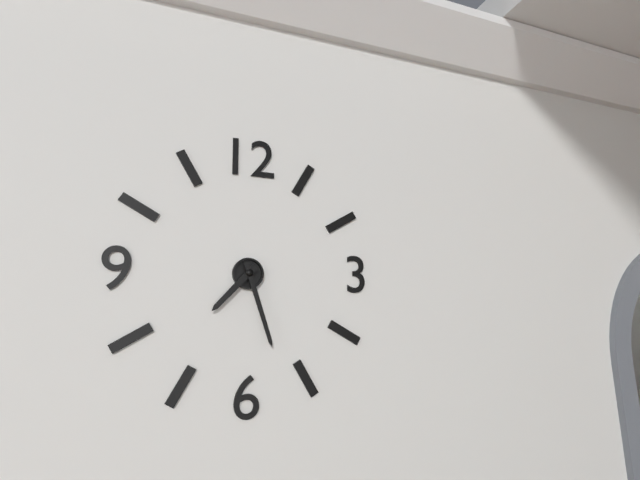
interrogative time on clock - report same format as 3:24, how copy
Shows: 7:27
